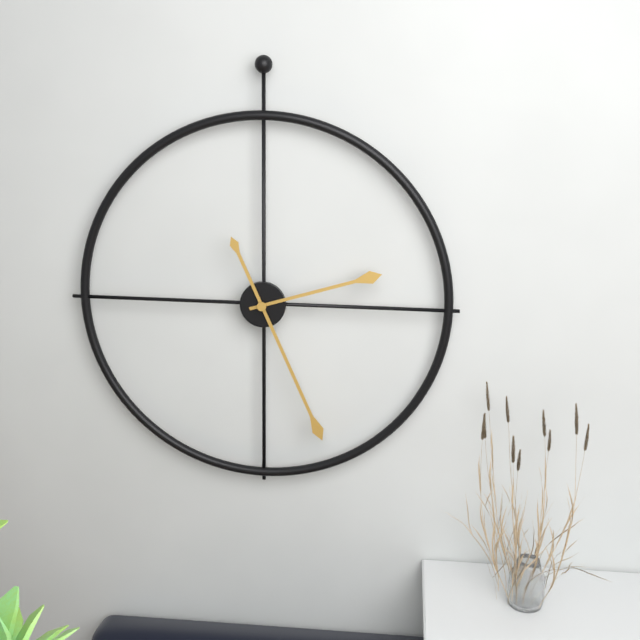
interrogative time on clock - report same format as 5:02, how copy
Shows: 2:26
